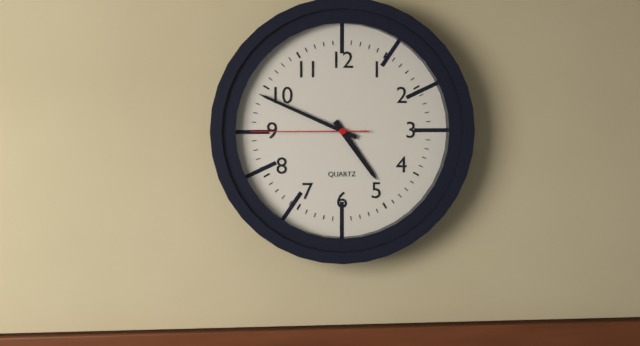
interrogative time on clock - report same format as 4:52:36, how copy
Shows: 4:49:45
